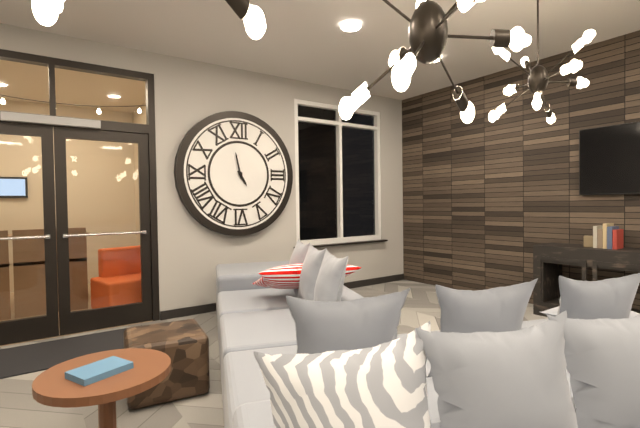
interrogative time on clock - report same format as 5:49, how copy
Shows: 4:58
